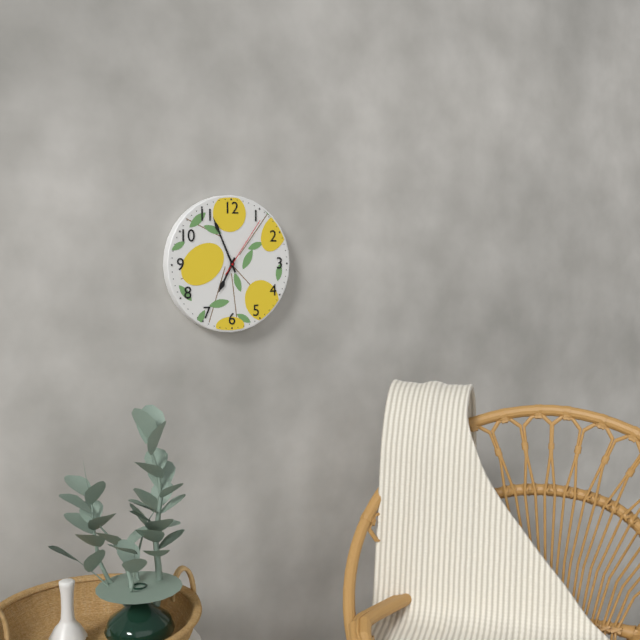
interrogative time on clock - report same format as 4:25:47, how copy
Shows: 6:56:06
